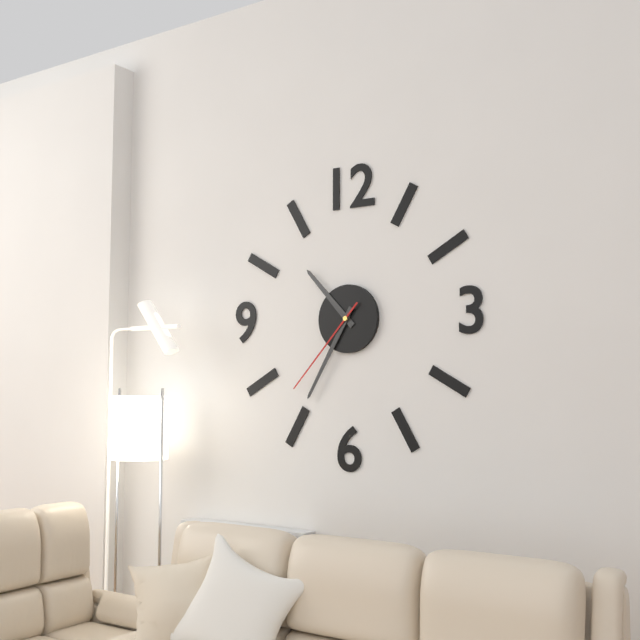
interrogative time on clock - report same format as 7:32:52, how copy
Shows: 10:35:37
